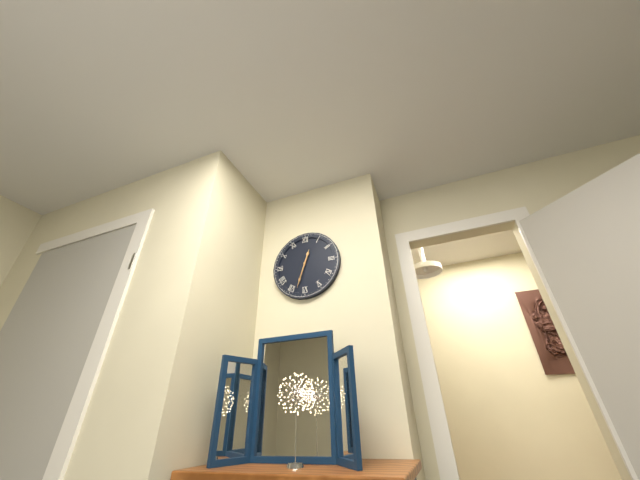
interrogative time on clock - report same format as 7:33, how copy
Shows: 12:33
